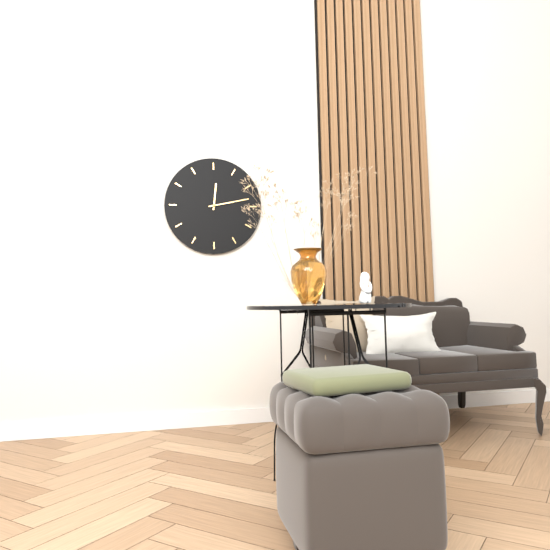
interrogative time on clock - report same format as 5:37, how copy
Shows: 12:13
